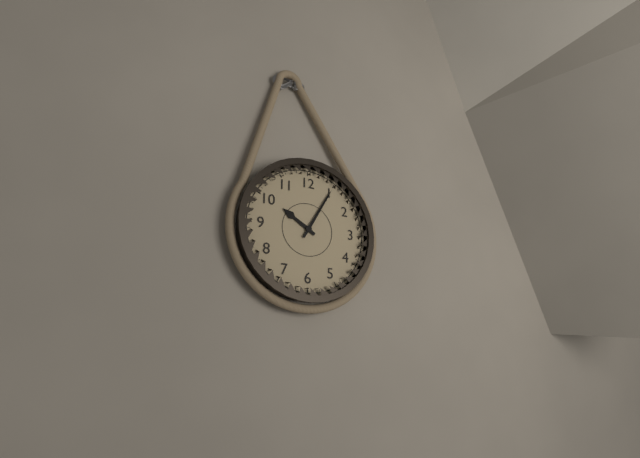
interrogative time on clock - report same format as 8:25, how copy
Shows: 10:05
